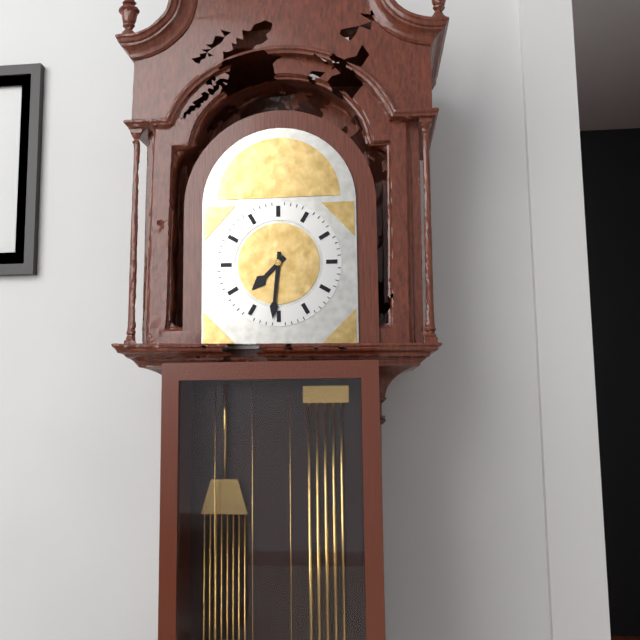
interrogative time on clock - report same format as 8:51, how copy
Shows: 7:31
